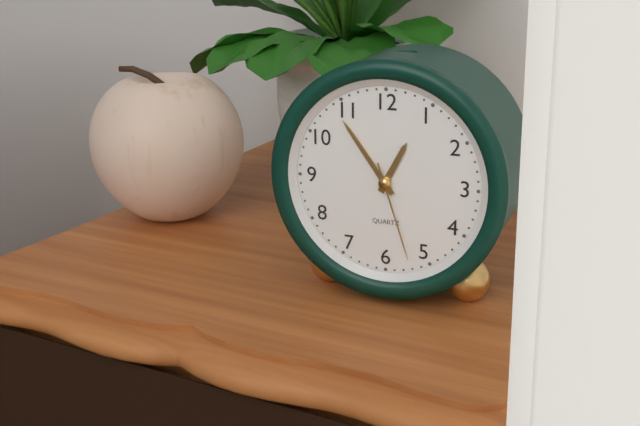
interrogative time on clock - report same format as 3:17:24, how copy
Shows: 12:54:27
